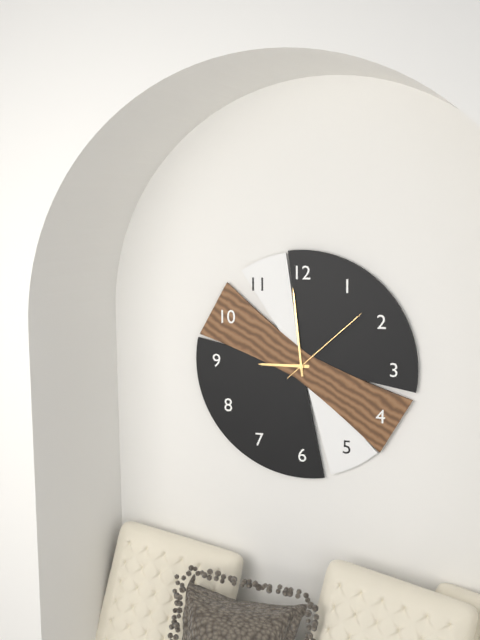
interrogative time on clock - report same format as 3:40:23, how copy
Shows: 8:59:08
